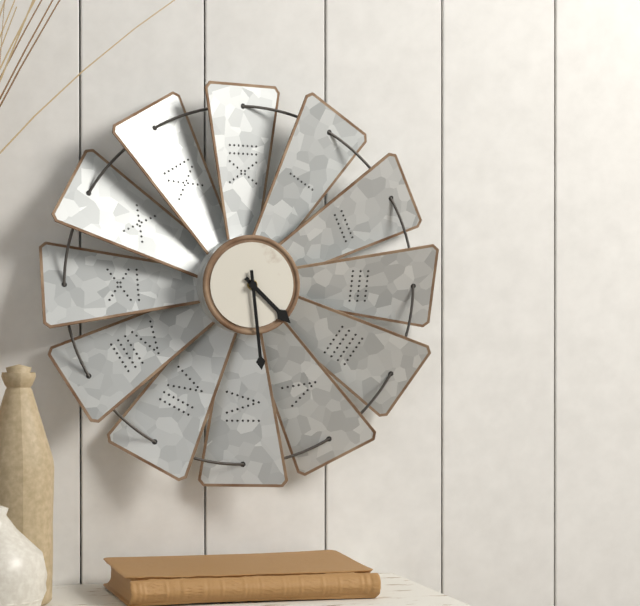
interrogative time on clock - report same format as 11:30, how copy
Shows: 4:29
